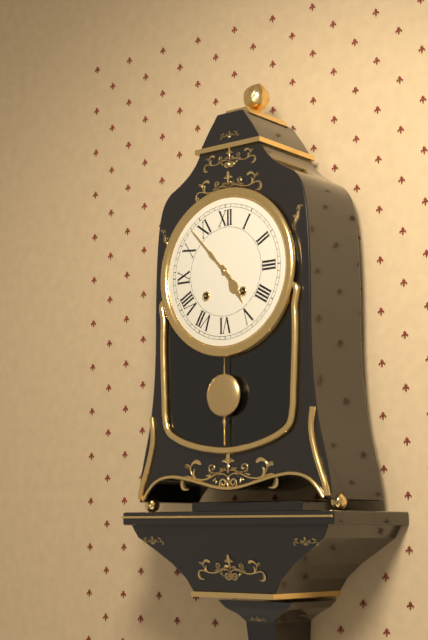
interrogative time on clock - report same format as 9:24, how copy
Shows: 4:53
